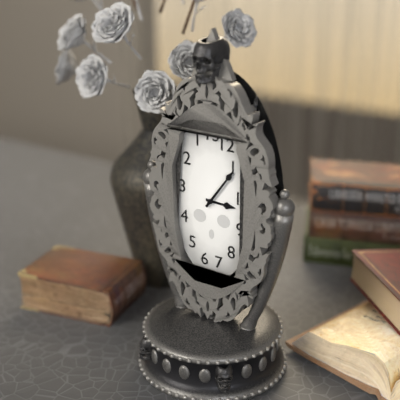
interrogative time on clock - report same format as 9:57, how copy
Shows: 3:06
